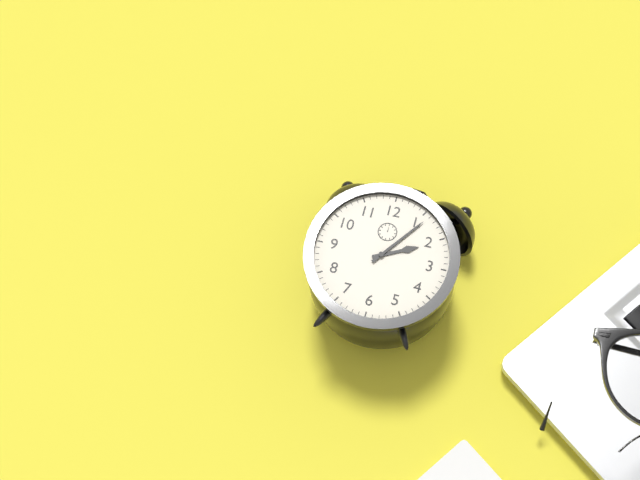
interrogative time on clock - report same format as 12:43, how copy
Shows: 2:06
